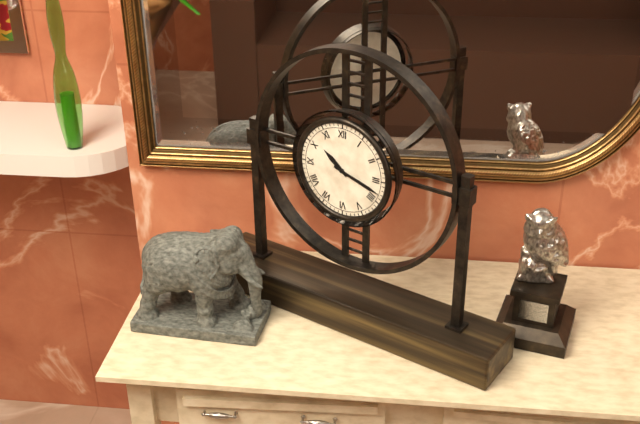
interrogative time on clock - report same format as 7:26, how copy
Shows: 10:18
